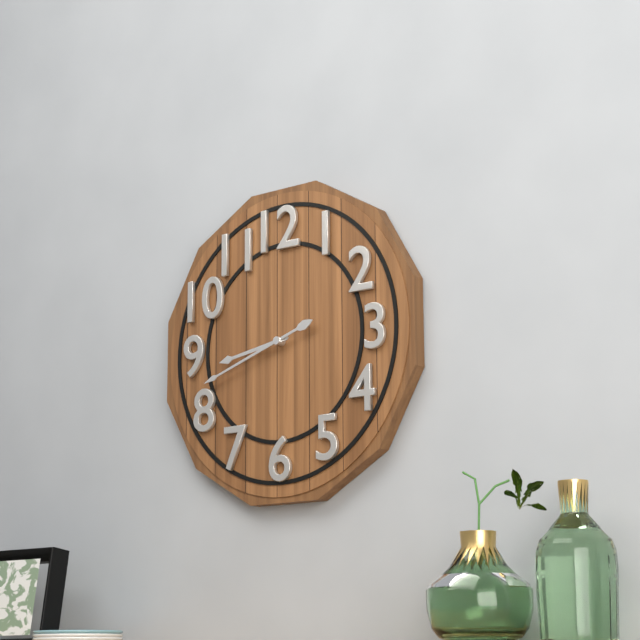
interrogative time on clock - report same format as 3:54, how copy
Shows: 8:42
